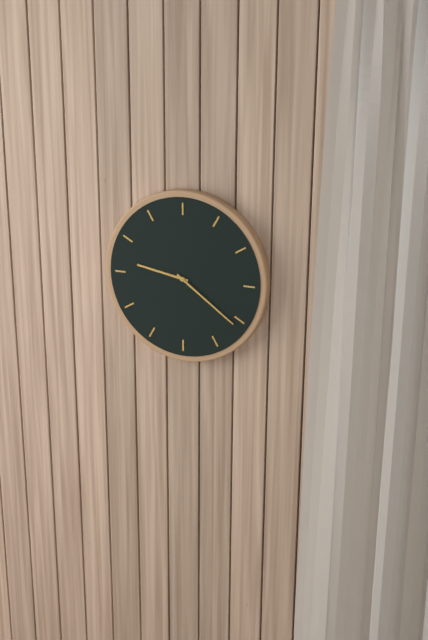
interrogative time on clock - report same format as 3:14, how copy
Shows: 9:21
